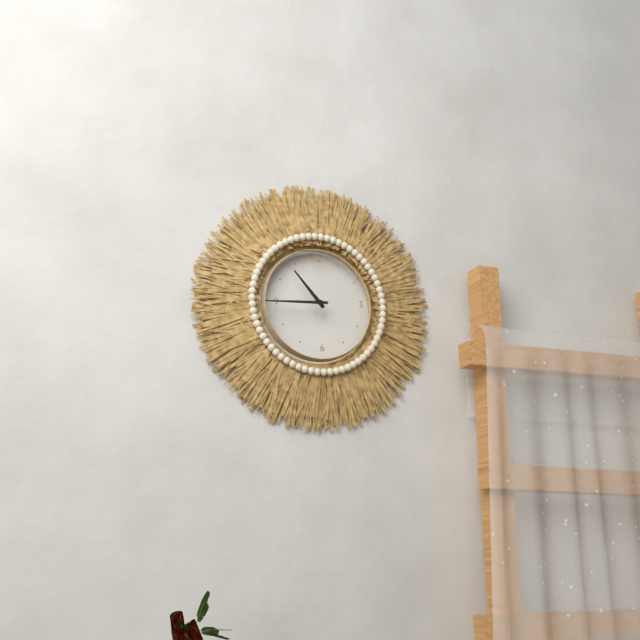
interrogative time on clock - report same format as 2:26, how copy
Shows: 10:45
